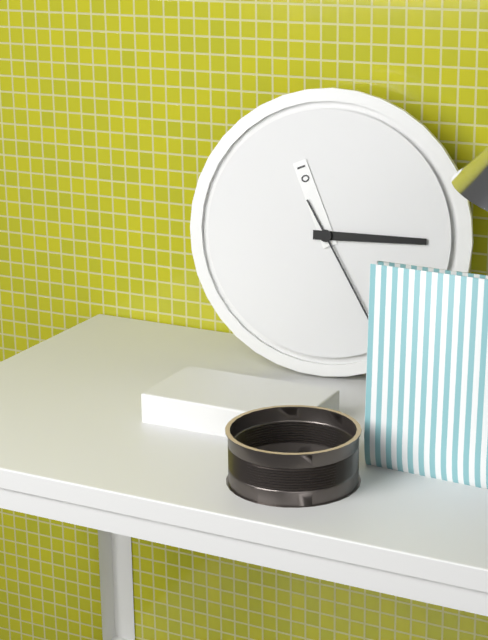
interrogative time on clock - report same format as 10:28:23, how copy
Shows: 11:15:25
